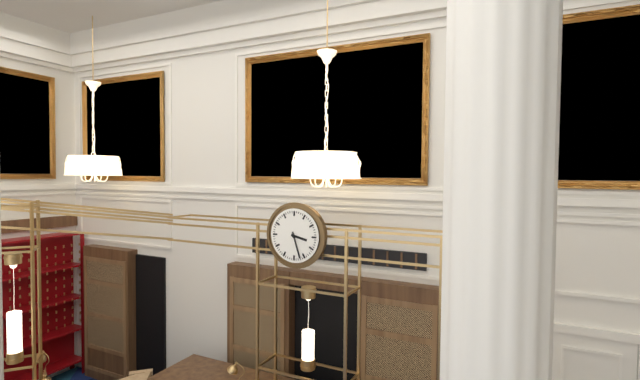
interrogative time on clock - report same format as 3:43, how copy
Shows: 3:27
